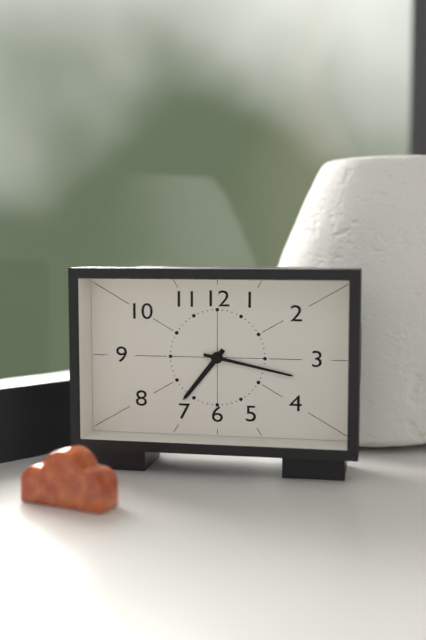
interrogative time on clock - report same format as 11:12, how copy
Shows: 7:17
